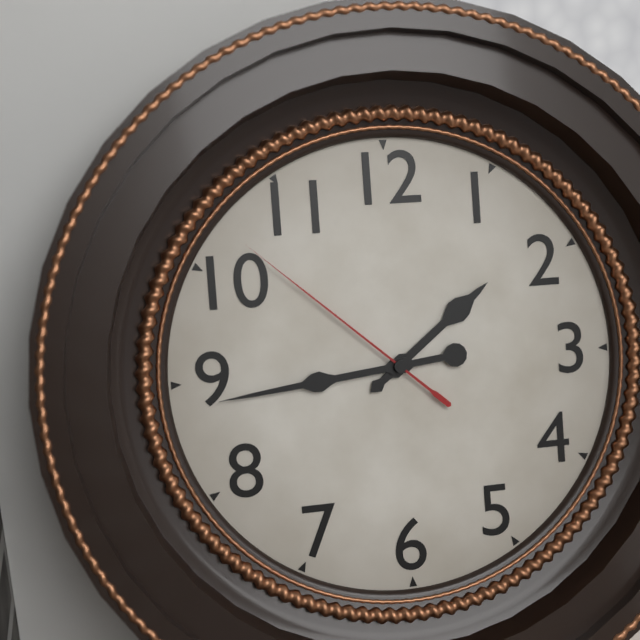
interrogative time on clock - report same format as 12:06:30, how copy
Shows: 1:44:52
